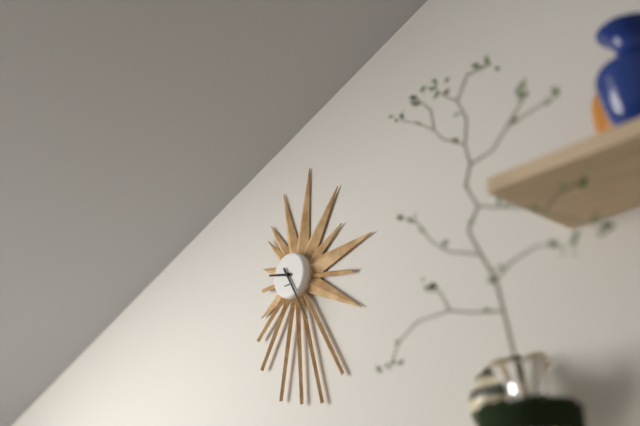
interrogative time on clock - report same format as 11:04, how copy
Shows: 9:25
